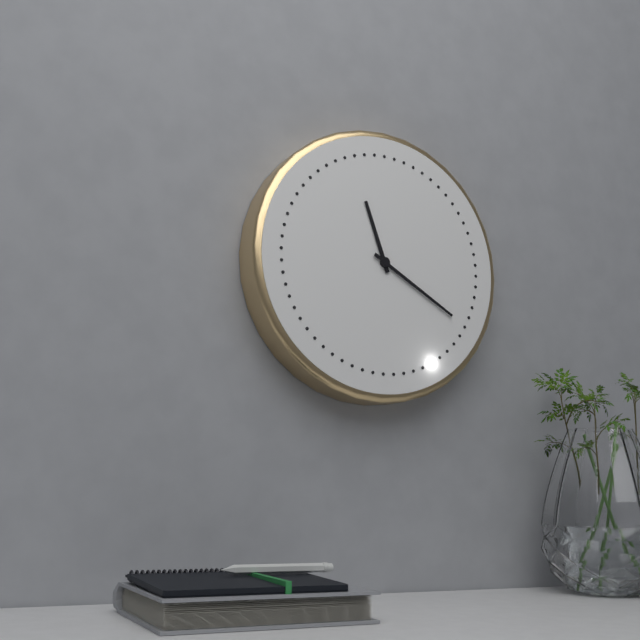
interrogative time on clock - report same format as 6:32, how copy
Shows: 11:20
